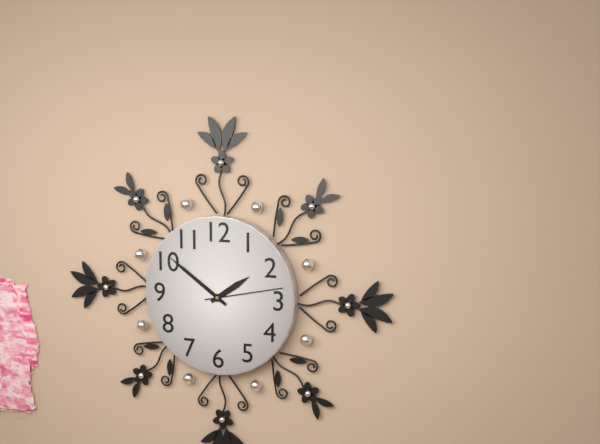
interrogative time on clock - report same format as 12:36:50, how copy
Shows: 1:51:13
